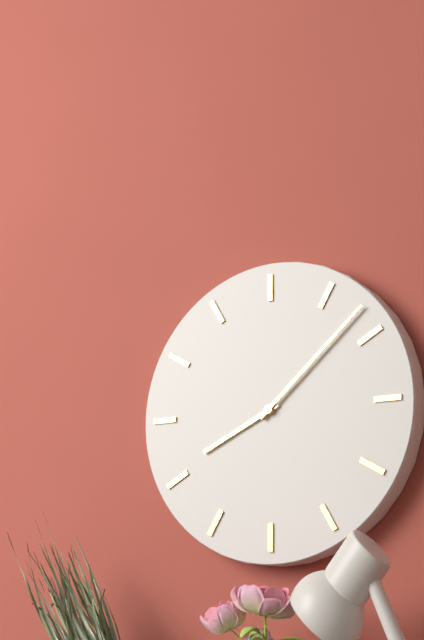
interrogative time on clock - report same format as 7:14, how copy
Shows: 8:08
